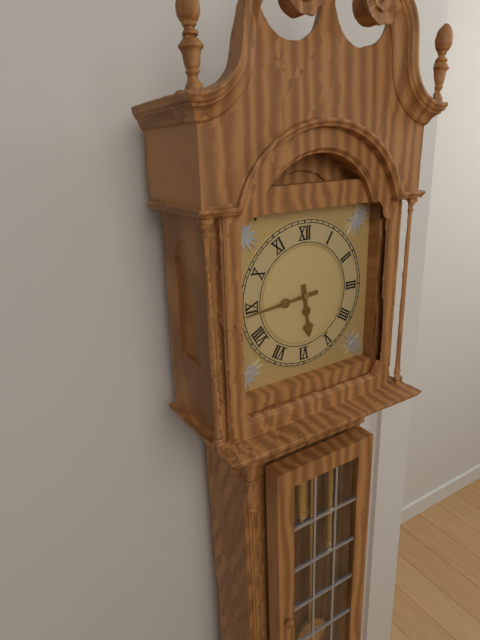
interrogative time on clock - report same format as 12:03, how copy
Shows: 5:44
